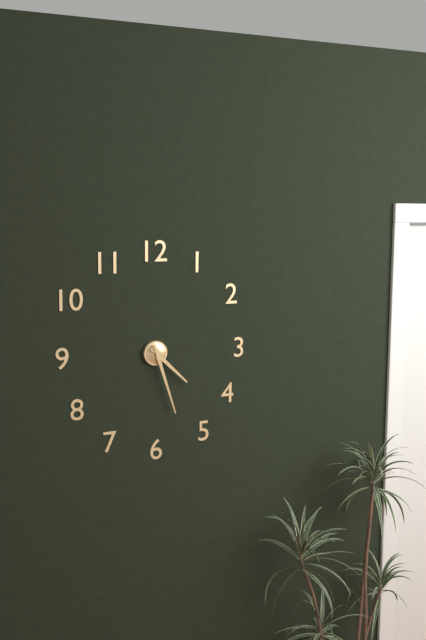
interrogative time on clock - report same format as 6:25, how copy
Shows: 4:27
